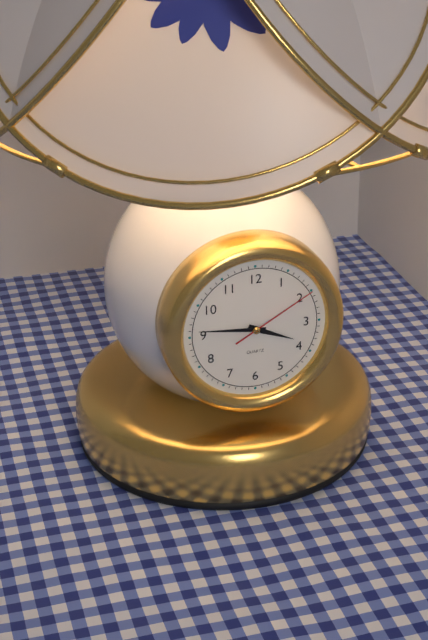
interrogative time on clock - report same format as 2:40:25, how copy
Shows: 3:46:10
